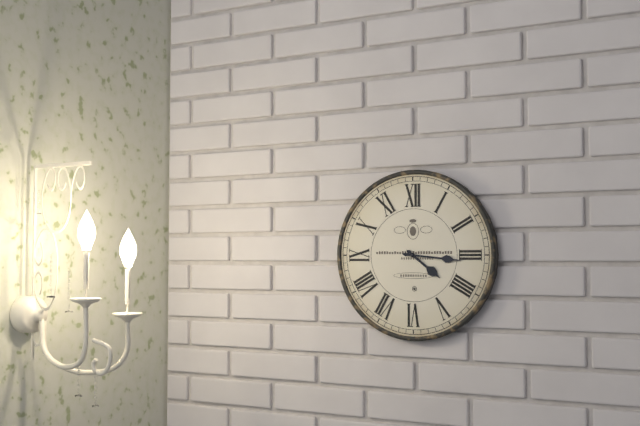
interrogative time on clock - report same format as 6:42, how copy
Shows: 4:16
